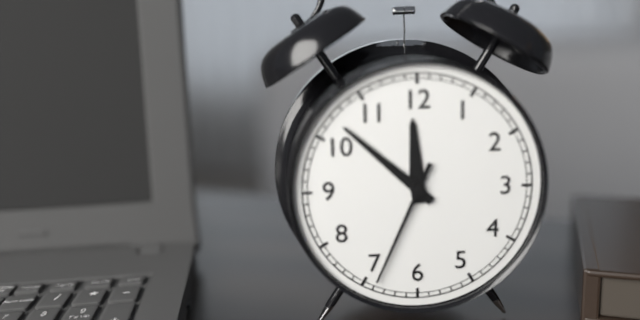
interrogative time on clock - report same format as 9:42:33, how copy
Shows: 11:52:34
